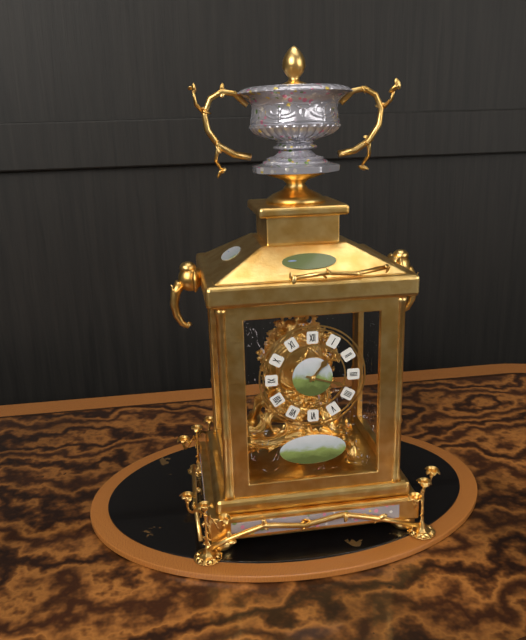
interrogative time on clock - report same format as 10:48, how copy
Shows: 1:18
